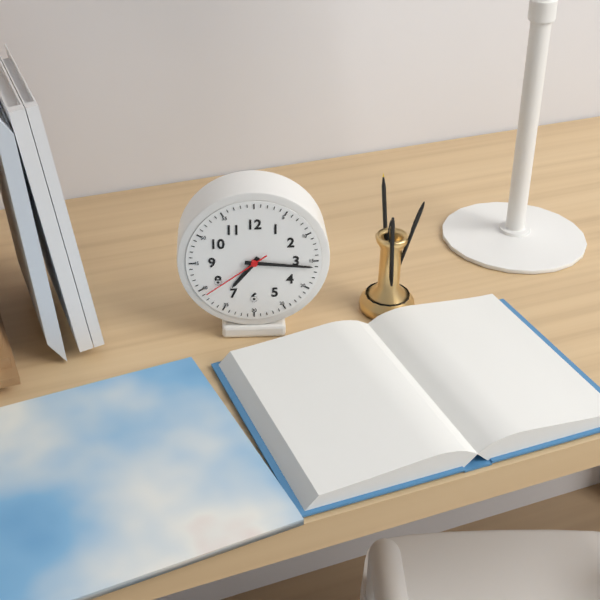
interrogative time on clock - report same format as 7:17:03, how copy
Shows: 7:16:39
